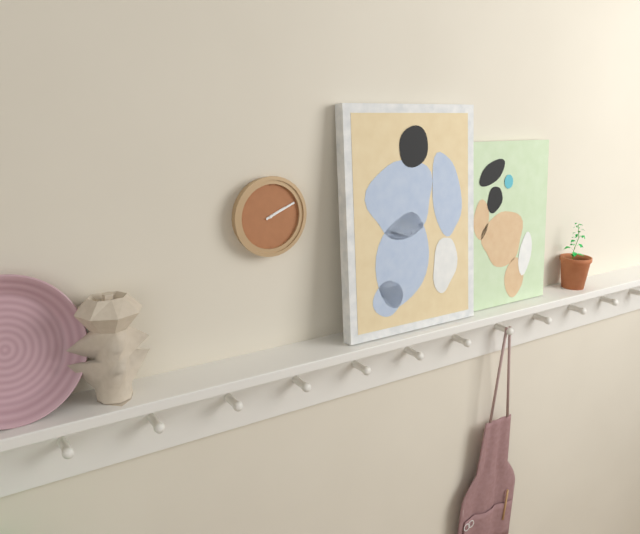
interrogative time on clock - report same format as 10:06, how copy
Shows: 2:11
